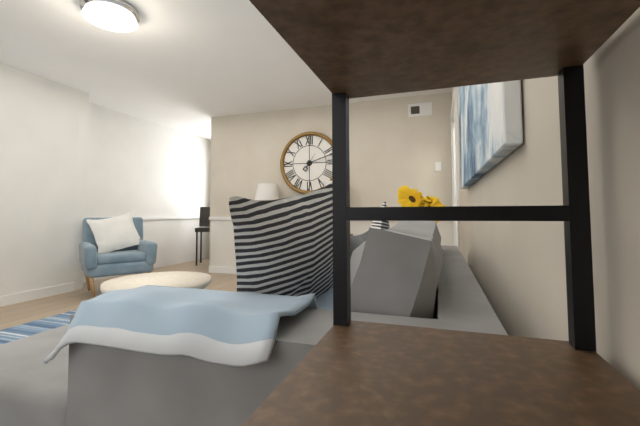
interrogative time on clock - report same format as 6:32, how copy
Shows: 7:12
